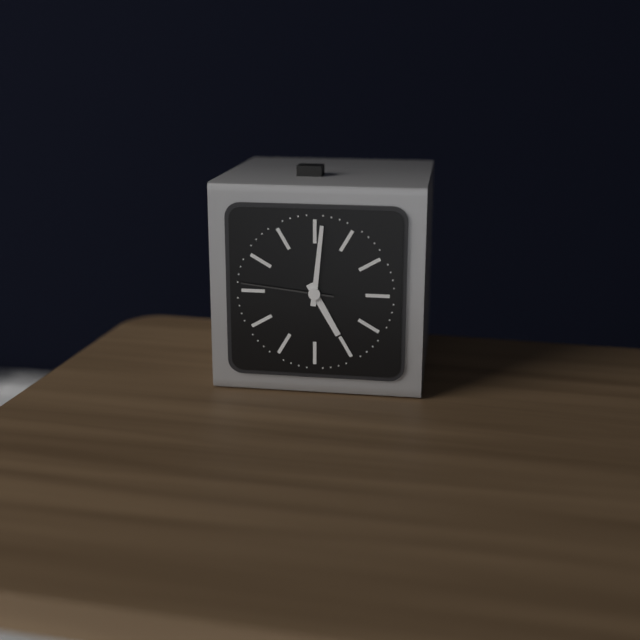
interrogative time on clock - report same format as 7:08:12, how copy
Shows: 5:01:46
